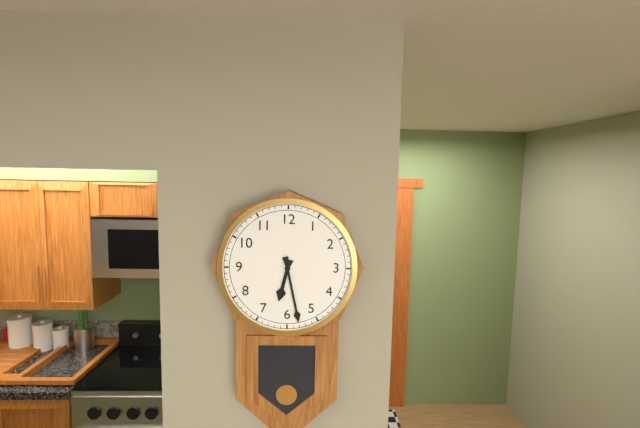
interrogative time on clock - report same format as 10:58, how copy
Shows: 6:28
